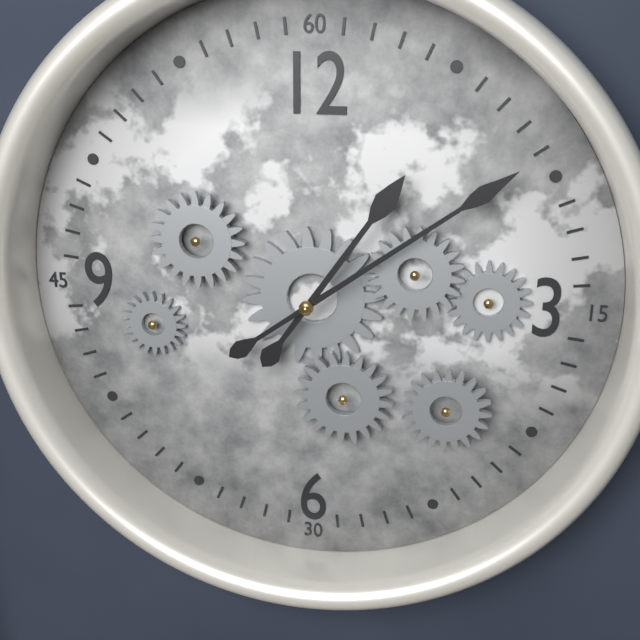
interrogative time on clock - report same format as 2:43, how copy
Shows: 1:09
